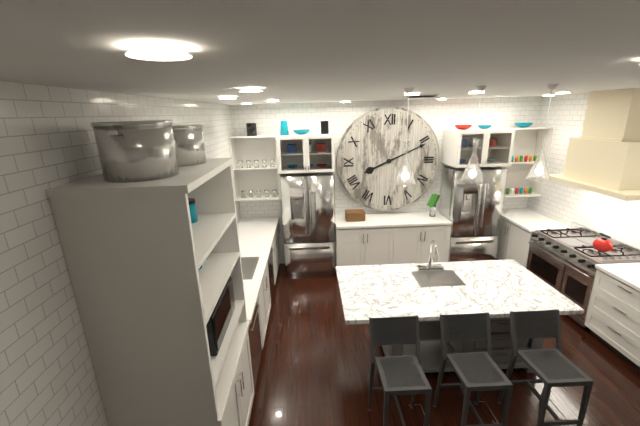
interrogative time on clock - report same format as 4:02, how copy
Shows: 8:11
